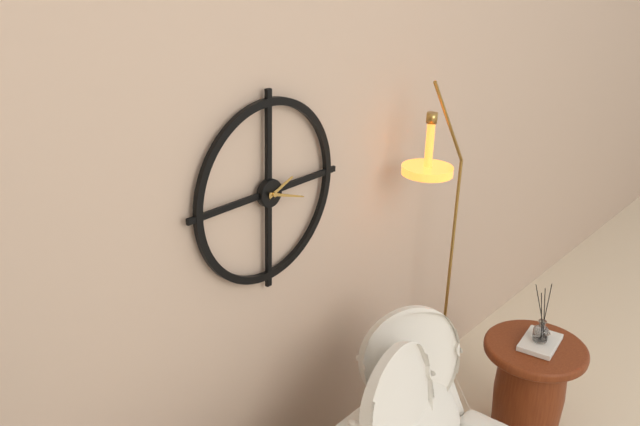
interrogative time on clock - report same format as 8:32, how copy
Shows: 2:18
